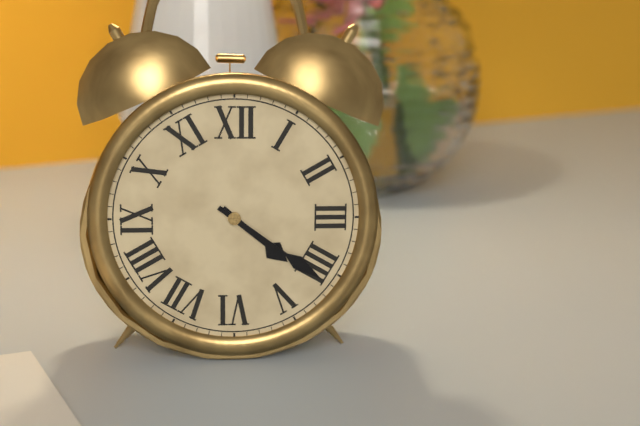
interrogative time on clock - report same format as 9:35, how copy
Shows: 4:21
